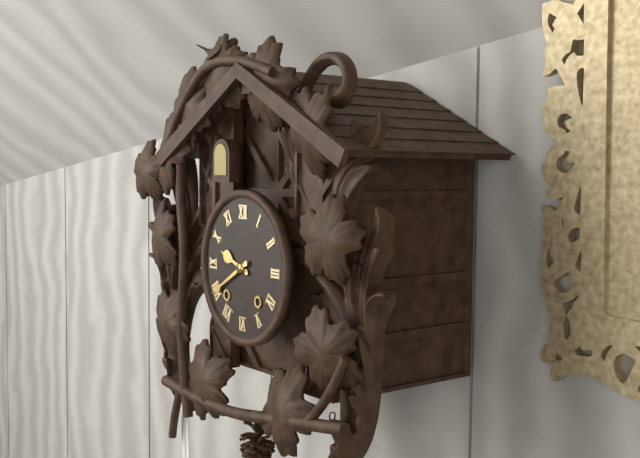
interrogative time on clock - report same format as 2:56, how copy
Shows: 9:40
